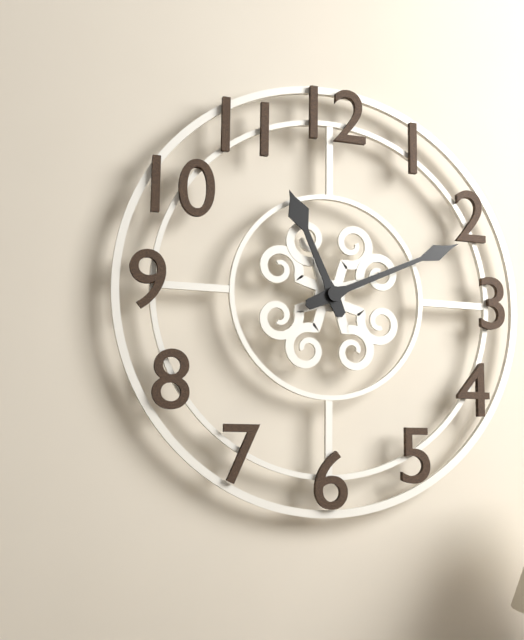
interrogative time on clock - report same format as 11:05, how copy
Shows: 11:11
